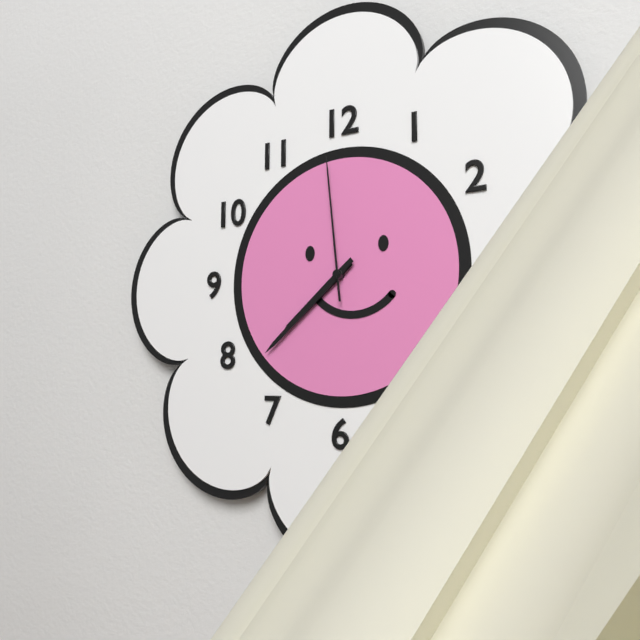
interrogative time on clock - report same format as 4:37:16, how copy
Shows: 7:38:59
